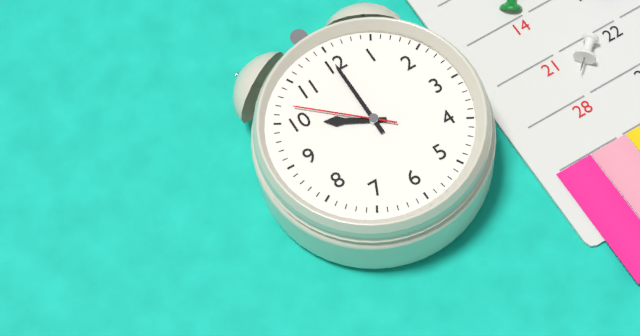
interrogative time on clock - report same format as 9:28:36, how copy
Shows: 10:00:52
